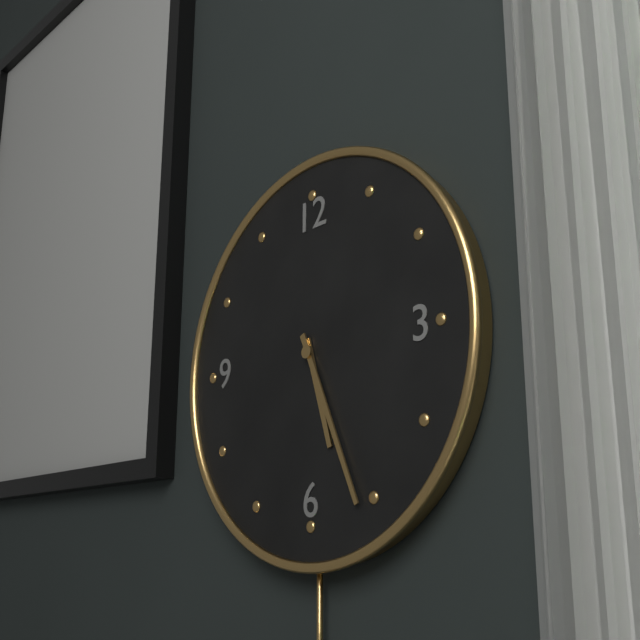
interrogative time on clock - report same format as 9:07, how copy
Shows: 5:26
